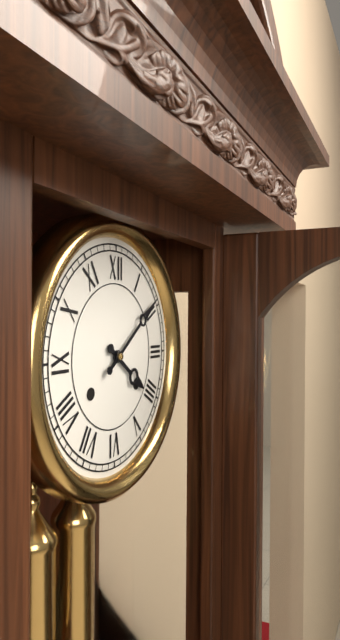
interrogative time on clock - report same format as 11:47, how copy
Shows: 4:09
